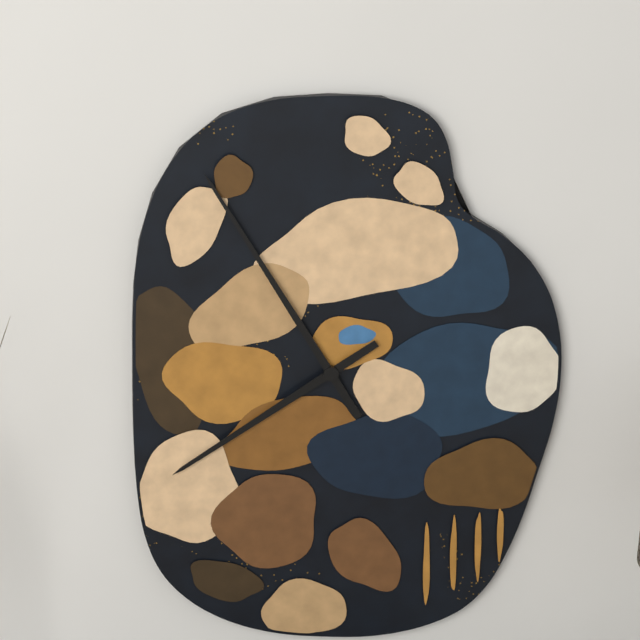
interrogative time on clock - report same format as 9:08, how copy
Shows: 7:55
